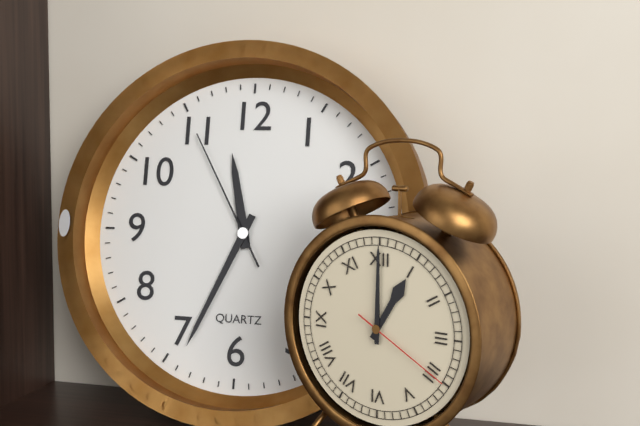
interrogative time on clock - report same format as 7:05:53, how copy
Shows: 11:34:55
